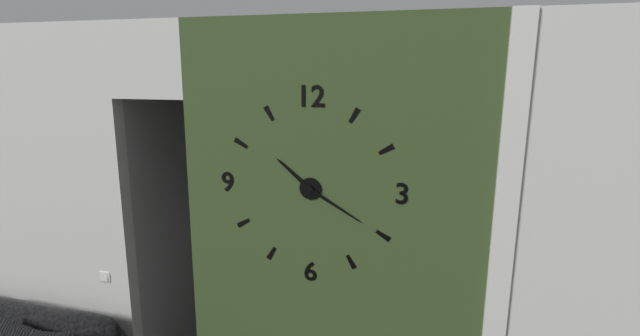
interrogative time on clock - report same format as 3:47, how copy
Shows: 10:20
